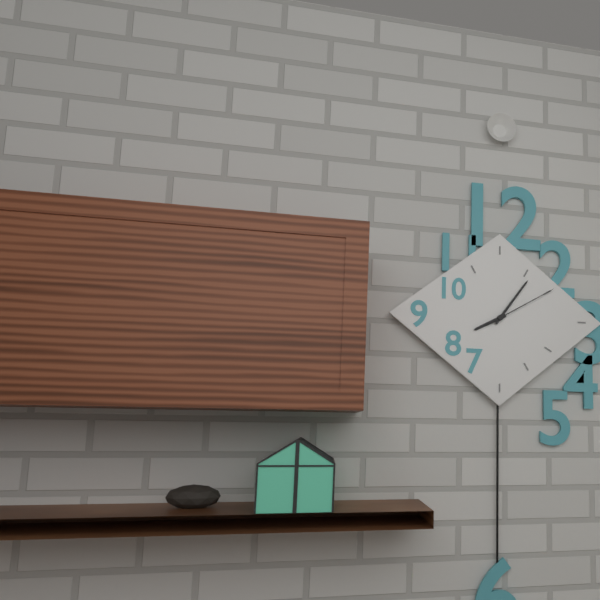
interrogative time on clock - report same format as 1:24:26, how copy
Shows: 8:06:10
